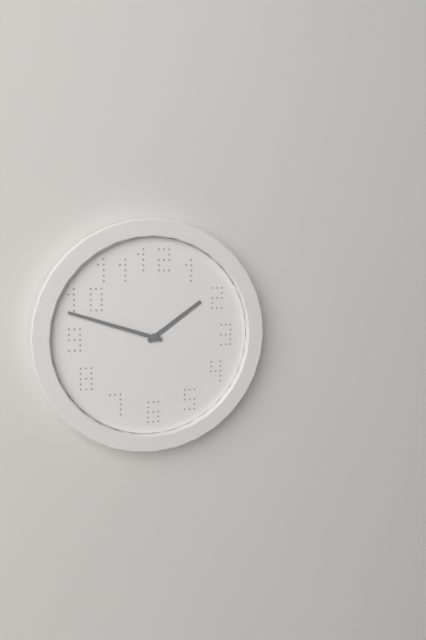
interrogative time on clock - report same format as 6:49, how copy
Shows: 1:48
